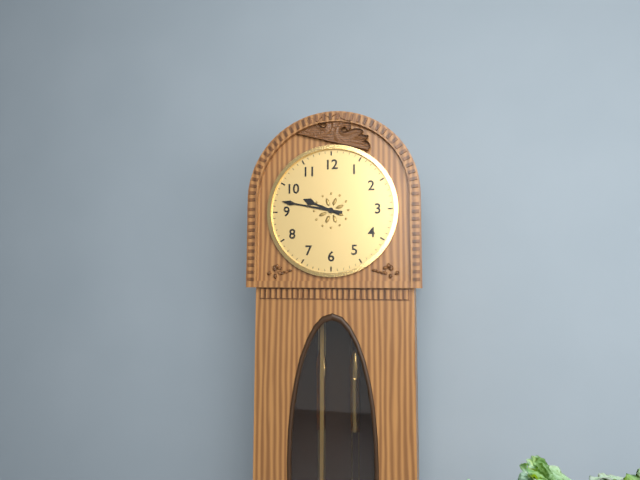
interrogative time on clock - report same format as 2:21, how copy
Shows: 9:47
